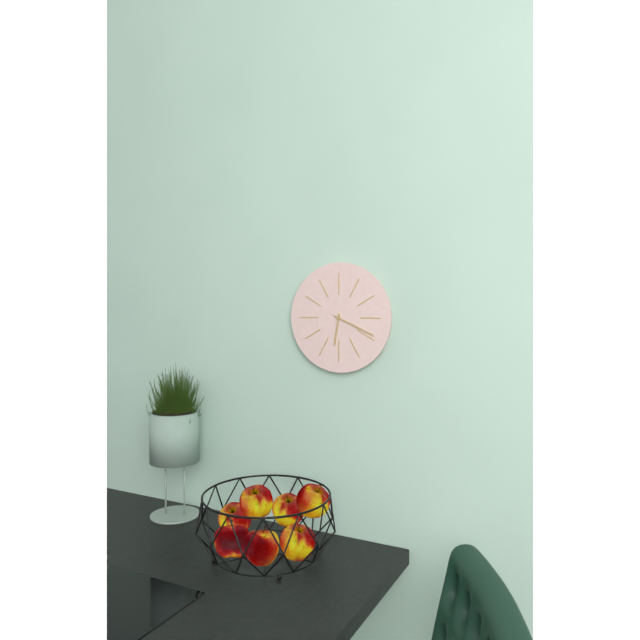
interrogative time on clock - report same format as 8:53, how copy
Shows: 6:19
